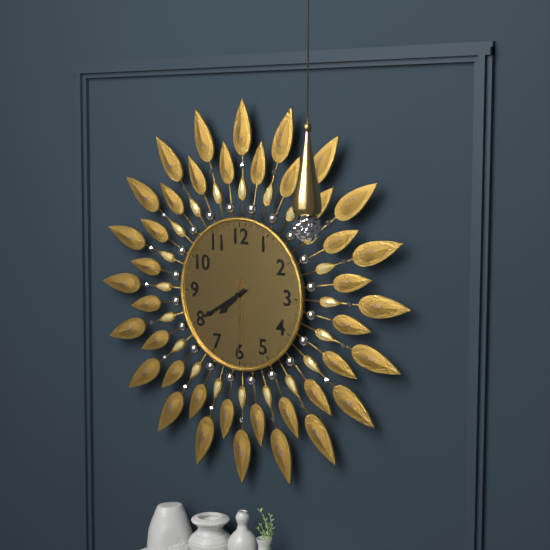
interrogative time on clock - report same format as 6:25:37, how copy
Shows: 7:40:30
